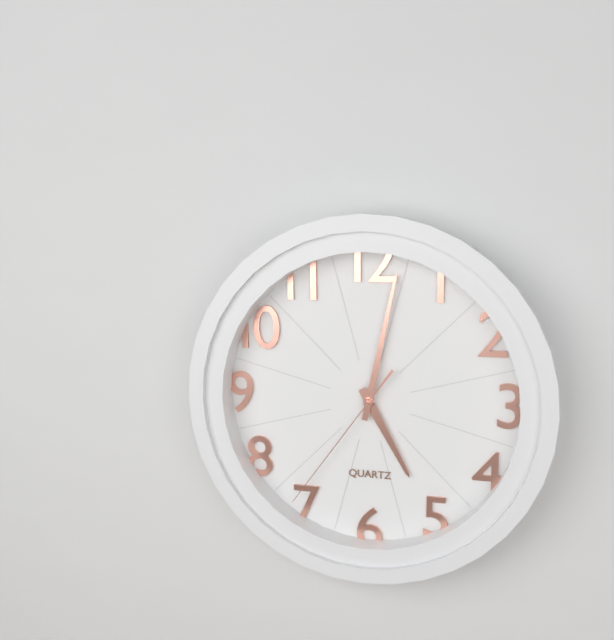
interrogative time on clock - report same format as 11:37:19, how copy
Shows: 5:02:36
